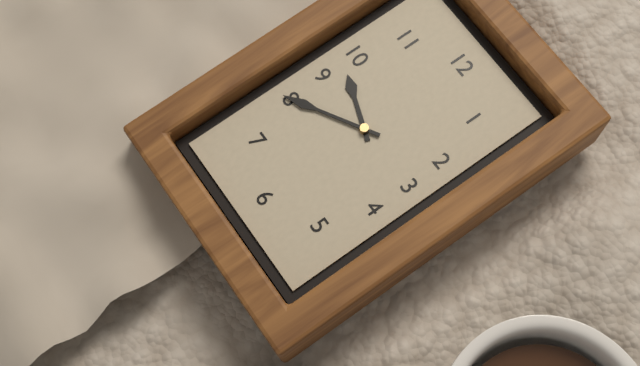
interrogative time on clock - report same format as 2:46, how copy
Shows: 9:40
